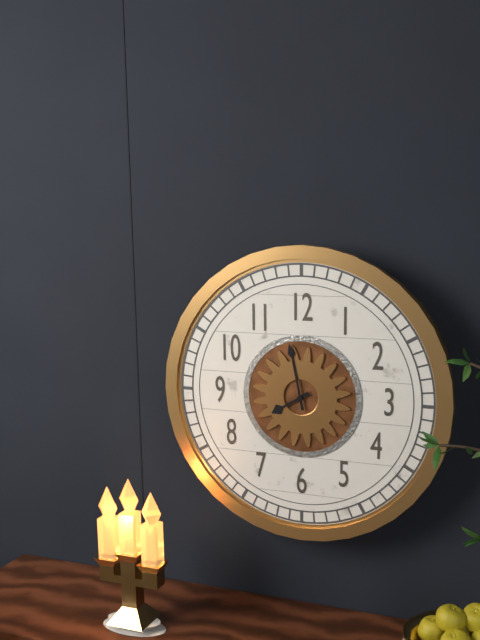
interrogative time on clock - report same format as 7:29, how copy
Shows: 7:58
